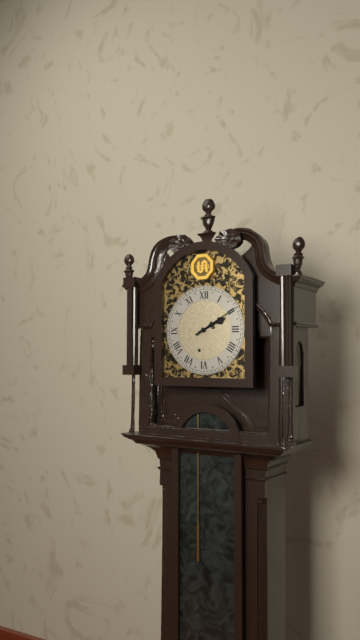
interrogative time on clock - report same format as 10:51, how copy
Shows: 2:10
